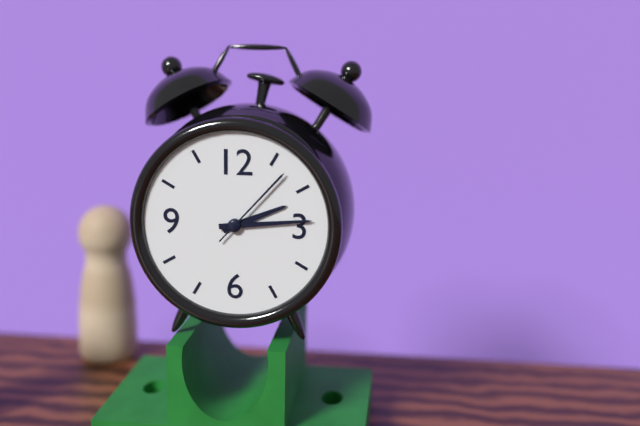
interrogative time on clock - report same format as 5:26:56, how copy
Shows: 2:14:07
